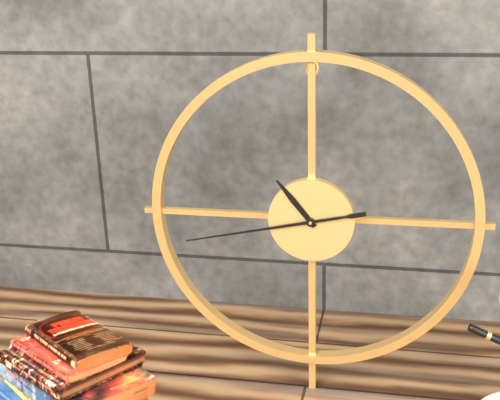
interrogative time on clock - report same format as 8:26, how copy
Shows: 10:43
